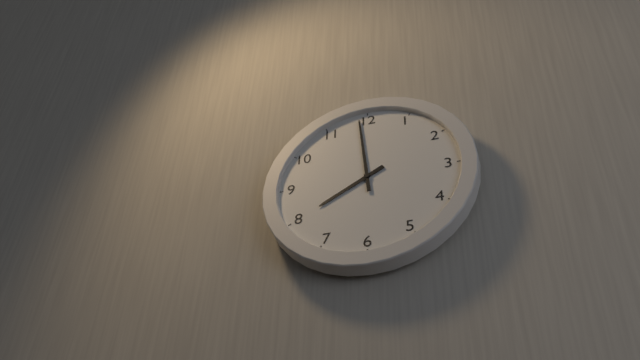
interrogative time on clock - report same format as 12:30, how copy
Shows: 7:59
